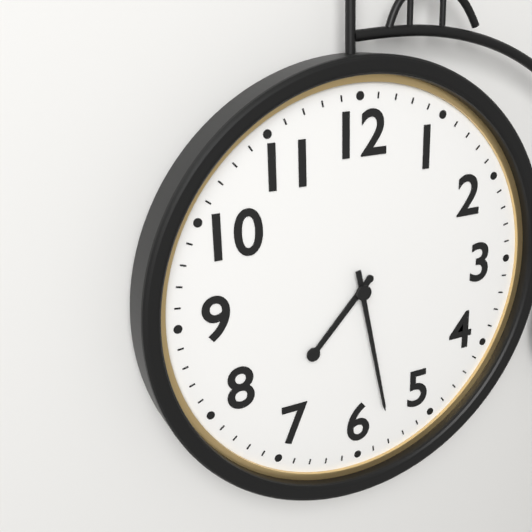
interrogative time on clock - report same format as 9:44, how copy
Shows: 7:28
